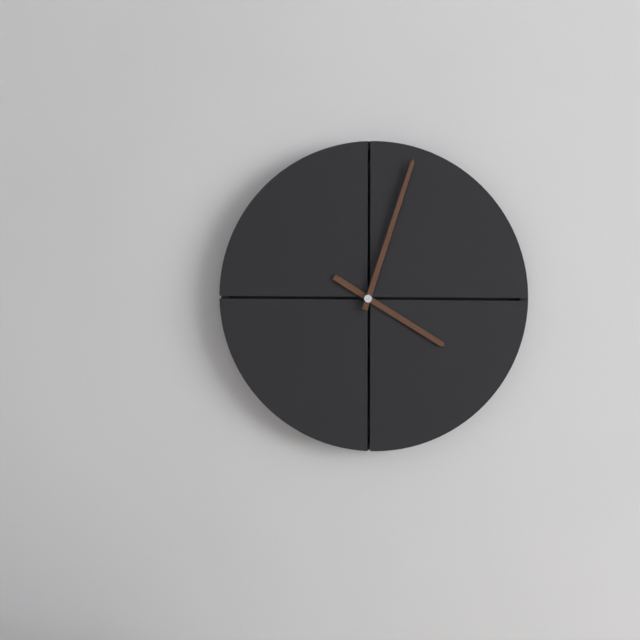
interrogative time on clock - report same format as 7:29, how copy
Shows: 4:03
